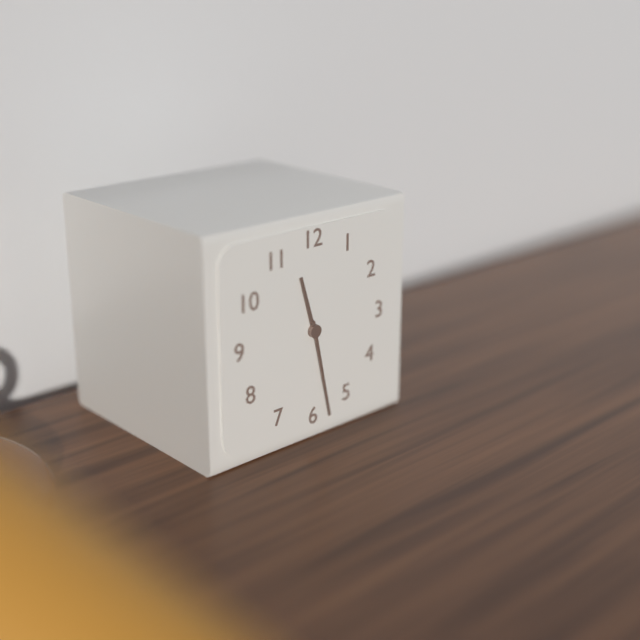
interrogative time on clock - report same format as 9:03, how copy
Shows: 11:28
